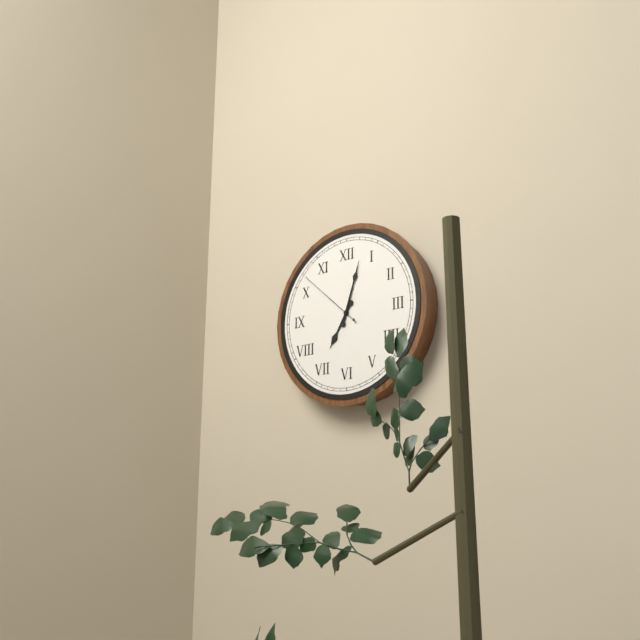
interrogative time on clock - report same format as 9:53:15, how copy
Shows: 7:03:52
